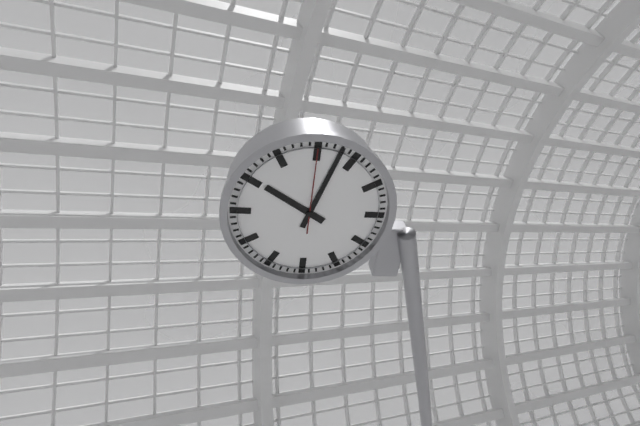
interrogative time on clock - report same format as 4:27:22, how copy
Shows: 10:03:00
